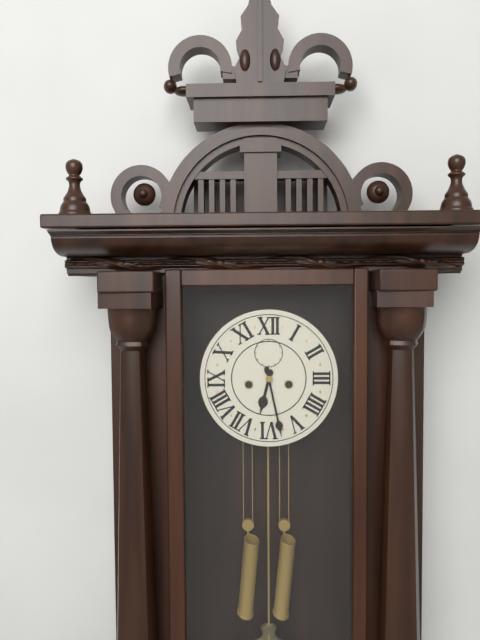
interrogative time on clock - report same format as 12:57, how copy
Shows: 6:28
